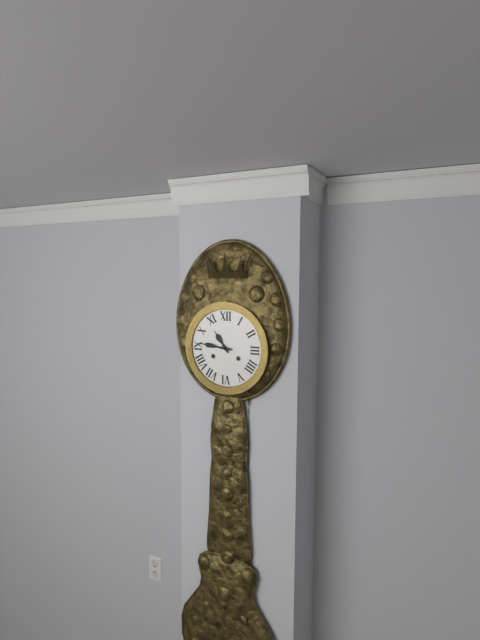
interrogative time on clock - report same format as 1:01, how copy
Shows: 10:46
